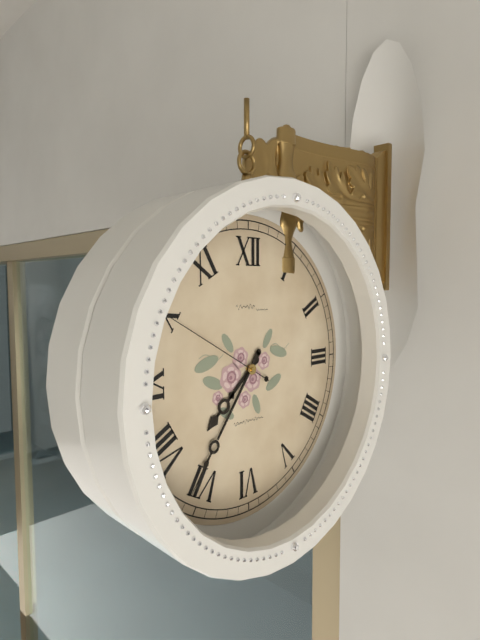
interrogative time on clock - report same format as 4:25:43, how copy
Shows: 7:36:50
